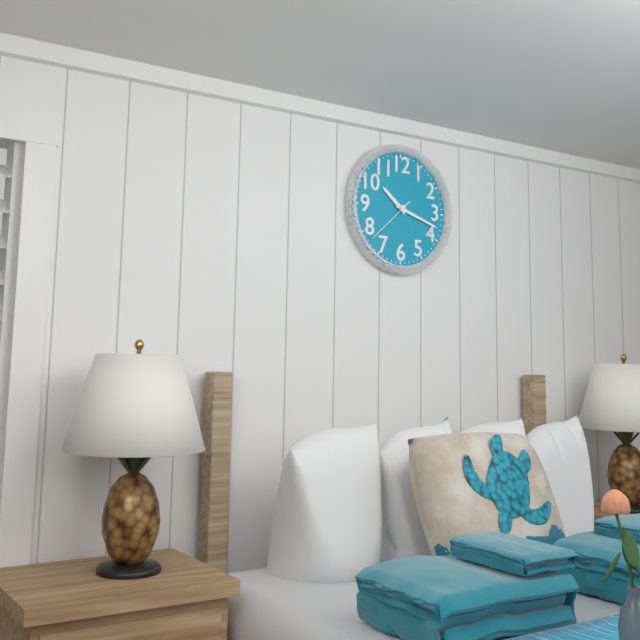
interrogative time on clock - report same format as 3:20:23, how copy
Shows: 10:18:38
